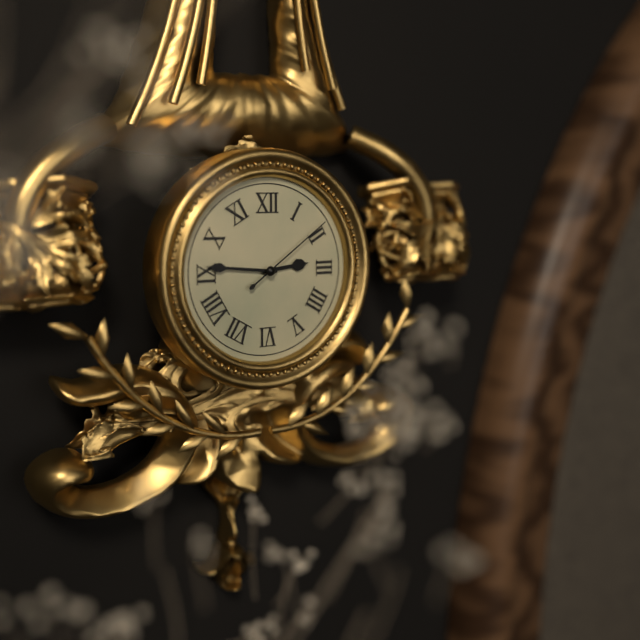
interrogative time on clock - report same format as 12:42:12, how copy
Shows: 2:46:09
